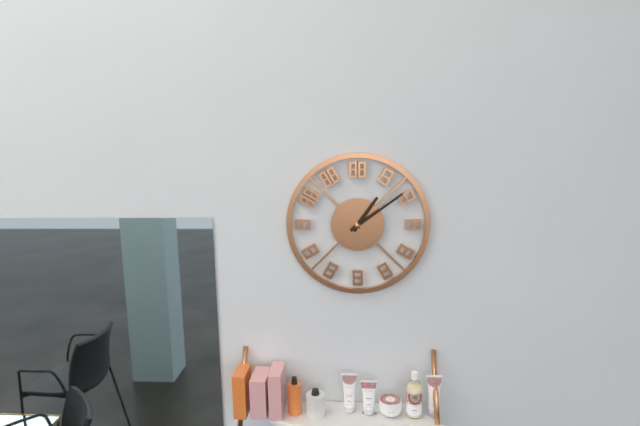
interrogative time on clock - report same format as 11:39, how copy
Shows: 1:09
